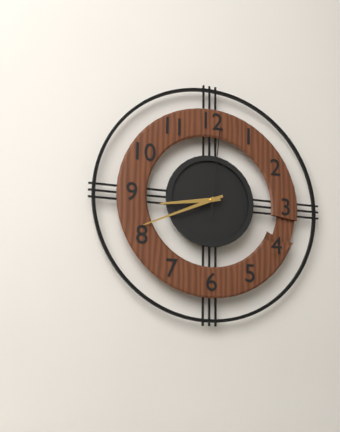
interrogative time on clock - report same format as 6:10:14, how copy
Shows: 8:41:01
